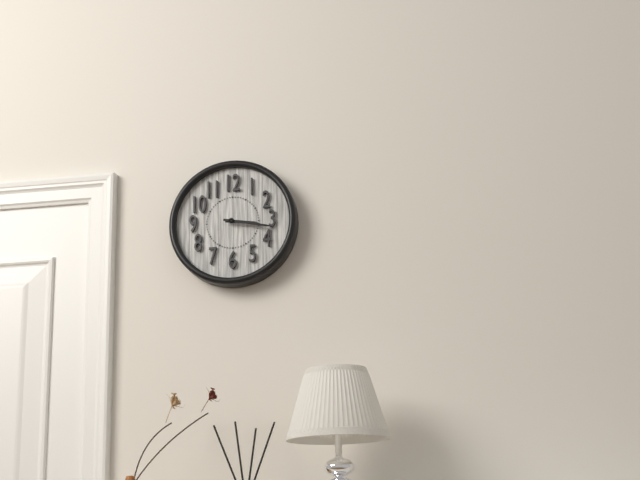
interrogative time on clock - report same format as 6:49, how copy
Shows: 3:17
